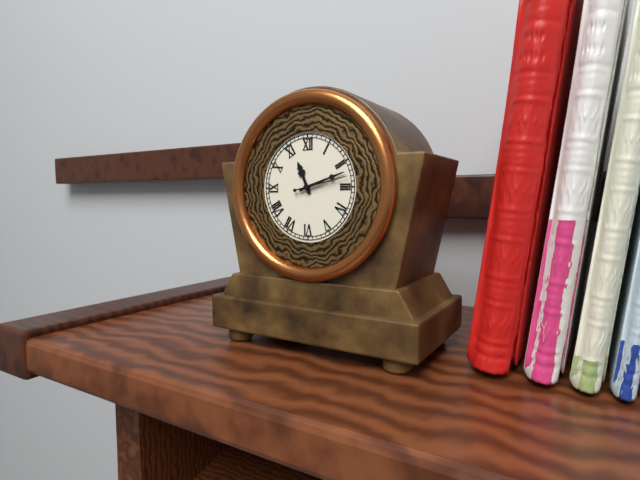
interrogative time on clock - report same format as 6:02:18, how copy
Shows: 11:12:13
